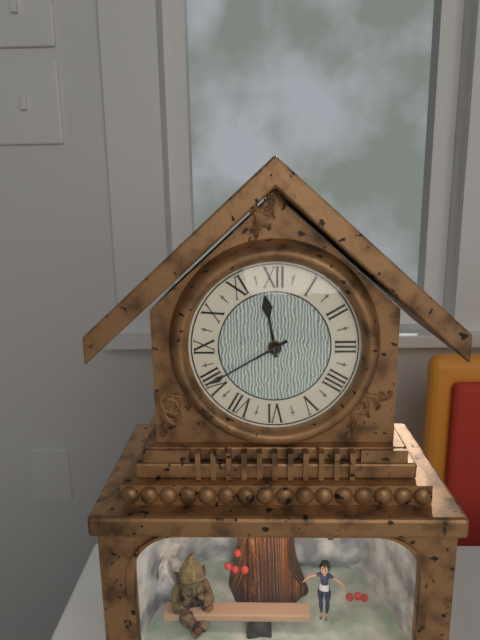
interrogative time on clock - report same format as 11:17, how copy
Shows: 11:40
